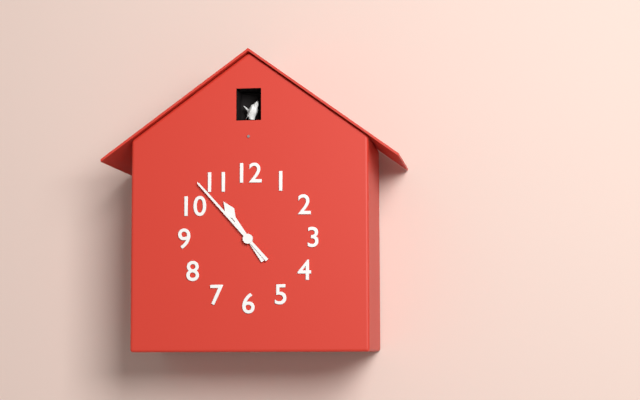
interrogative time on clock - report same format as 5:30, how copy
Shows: 10:53
